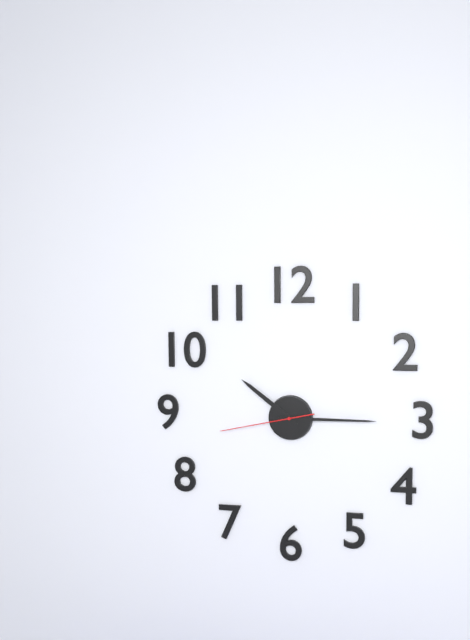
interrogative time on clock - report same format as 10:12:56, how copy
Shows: 10:15:43
